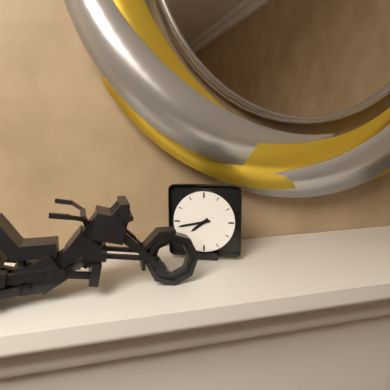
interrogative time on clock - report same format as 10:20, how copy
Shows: 7:43
